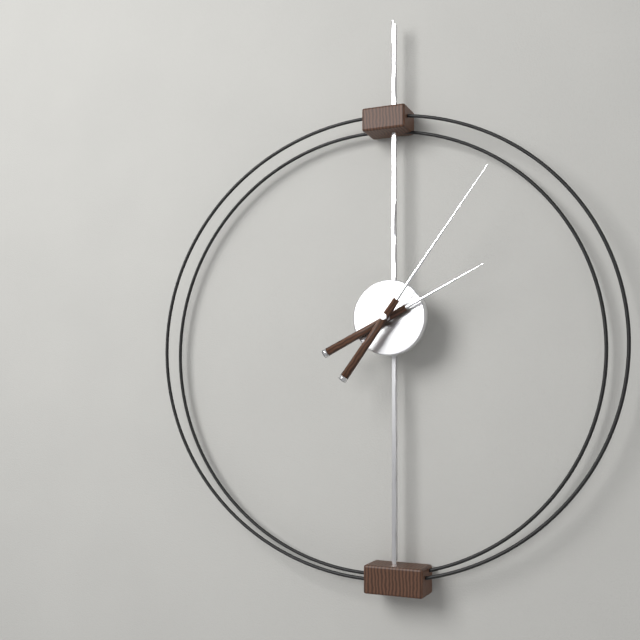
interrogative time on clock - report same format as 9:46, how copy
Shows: 2:06
